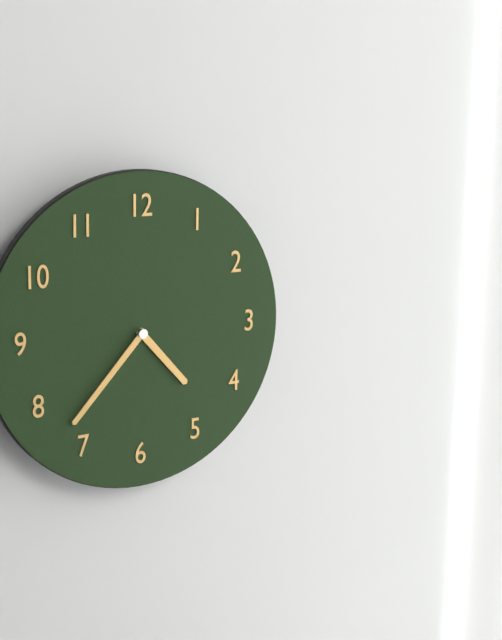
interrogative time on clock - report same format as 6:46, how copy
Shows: 4:37
